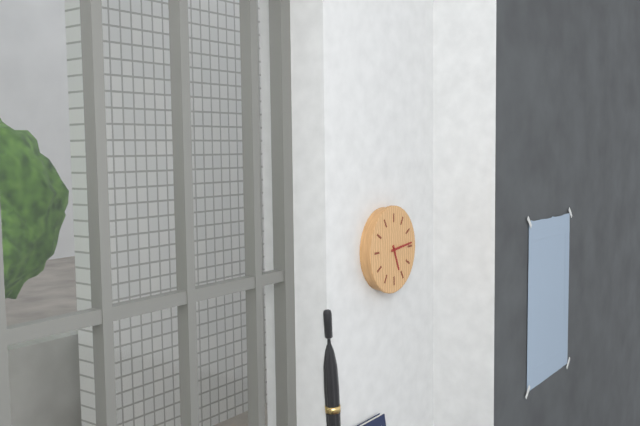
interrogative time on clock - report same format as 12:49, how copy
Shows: 5:14
